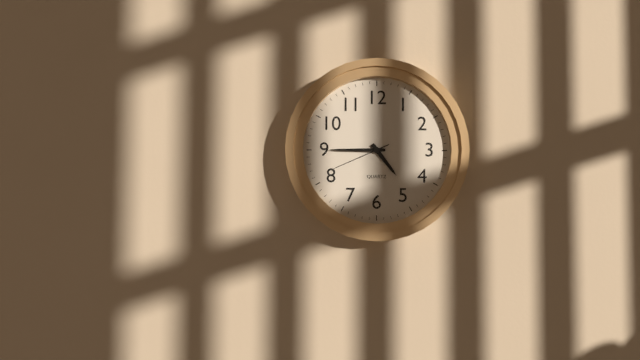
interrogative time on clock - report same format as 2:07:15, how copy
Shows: 4:45:41
